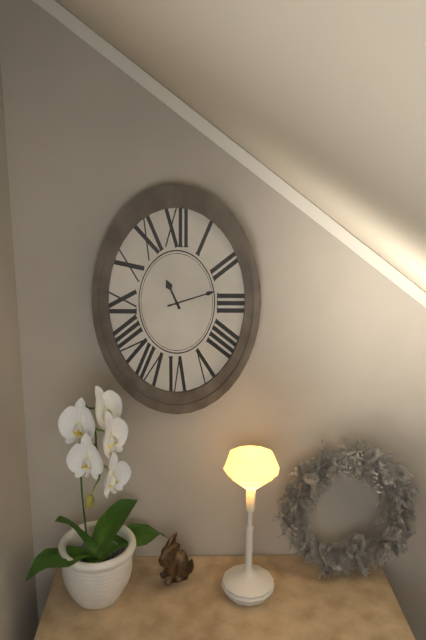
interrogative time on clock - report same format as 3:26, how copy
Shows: 11:12
